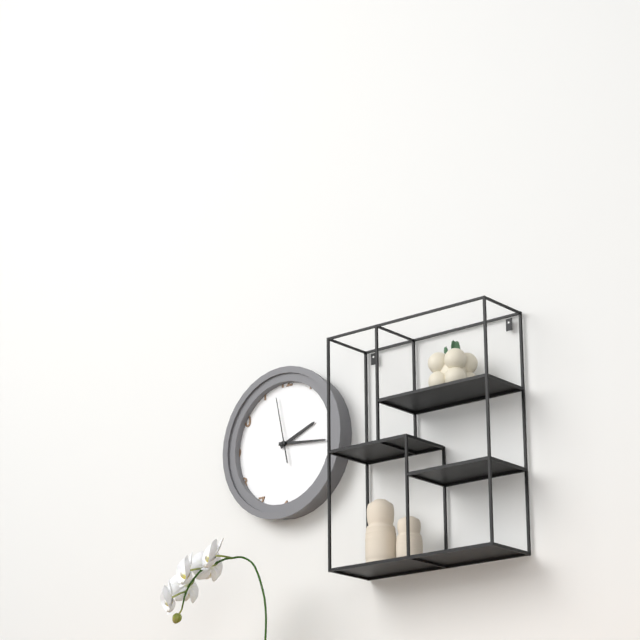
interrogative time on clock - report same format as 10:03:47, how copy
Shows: 2:16:58
